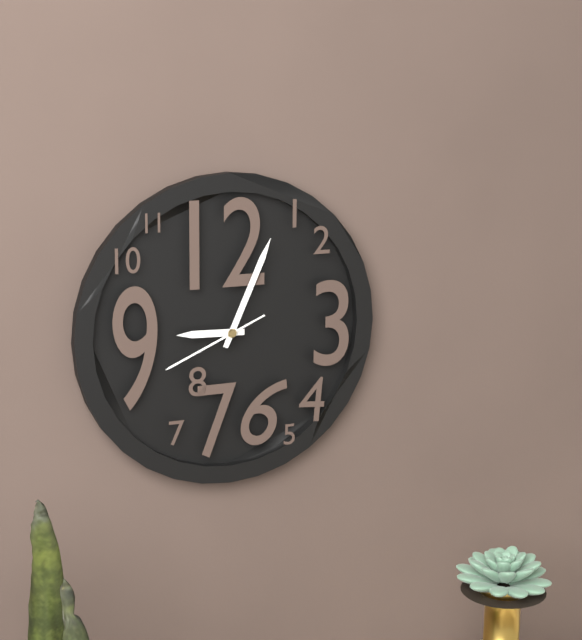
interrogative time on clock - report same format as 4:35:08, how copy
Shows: 9:04:41
